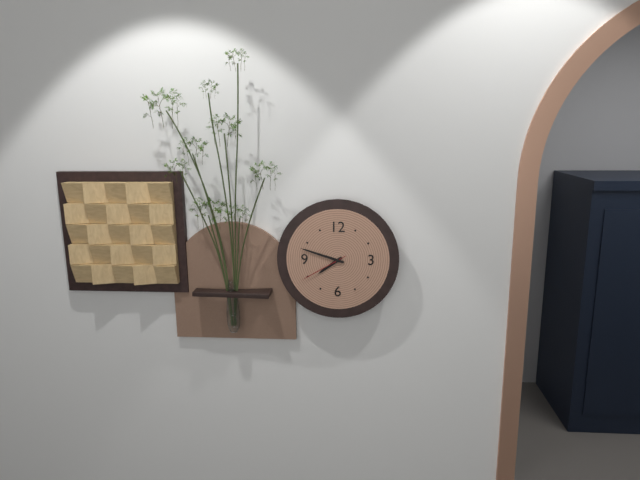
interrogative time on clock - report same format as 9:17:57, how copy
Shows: 7:48:40
